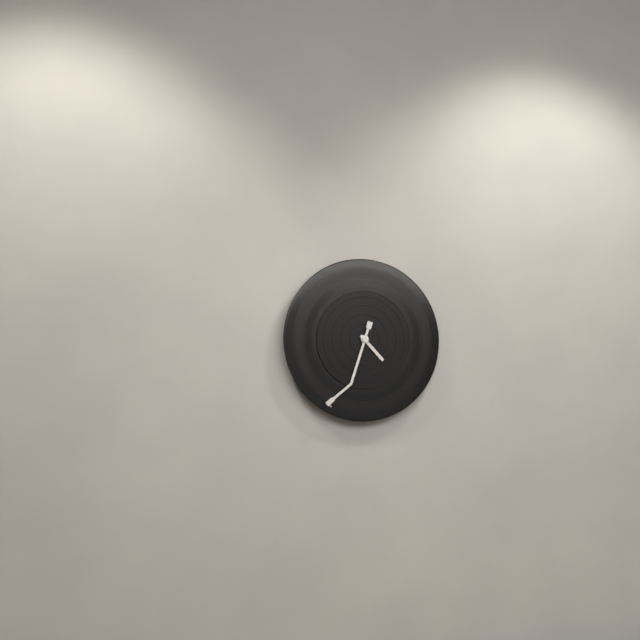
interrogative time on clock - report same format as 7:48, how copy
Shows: 4:33
